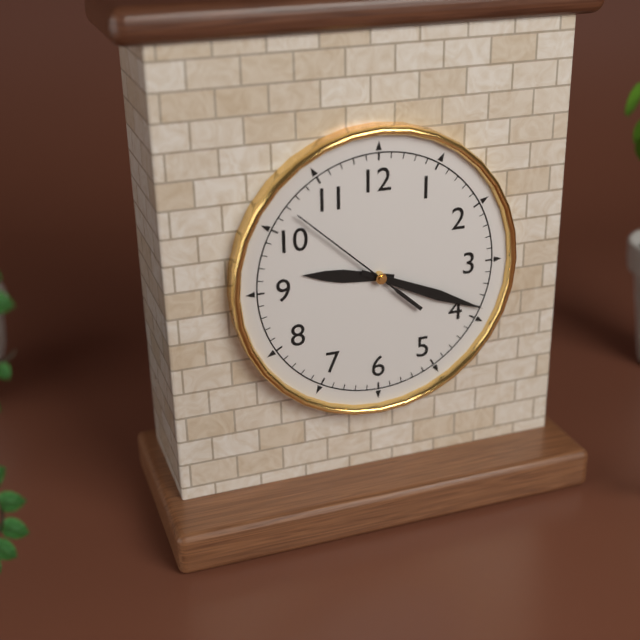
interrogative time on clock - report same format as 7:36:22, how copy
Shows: 9:19:52
